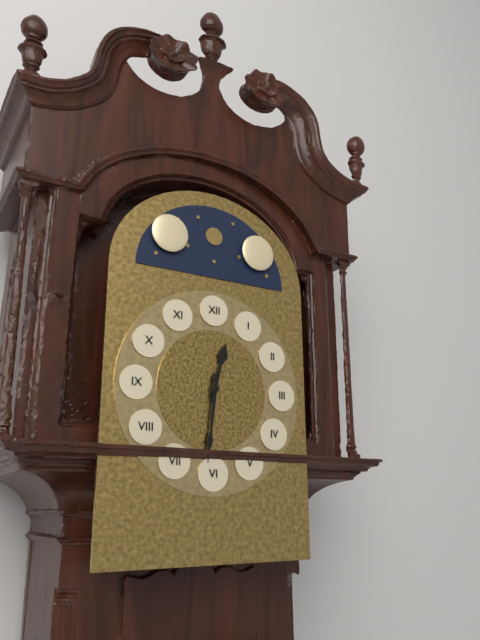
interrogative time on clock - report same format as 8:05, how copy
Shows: 12:31
